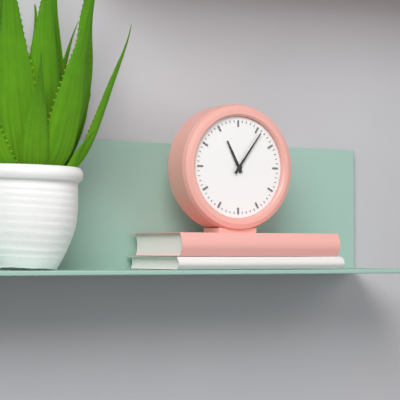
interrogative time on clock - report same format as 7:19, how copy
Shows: 11:06
